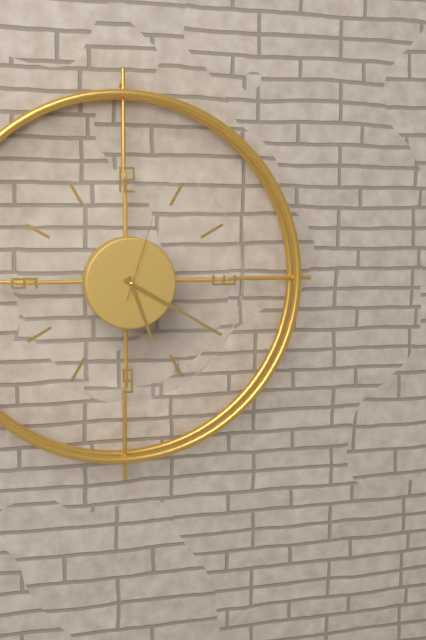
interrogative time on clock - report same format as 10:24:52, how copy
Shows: 5:20:03
